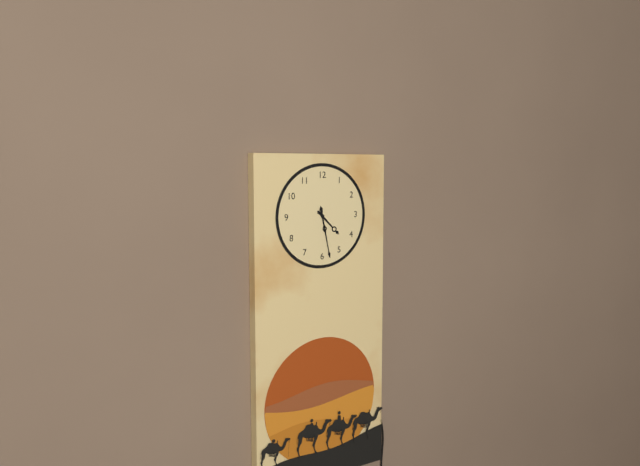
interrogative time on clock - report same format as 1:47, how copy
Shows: 4:28
